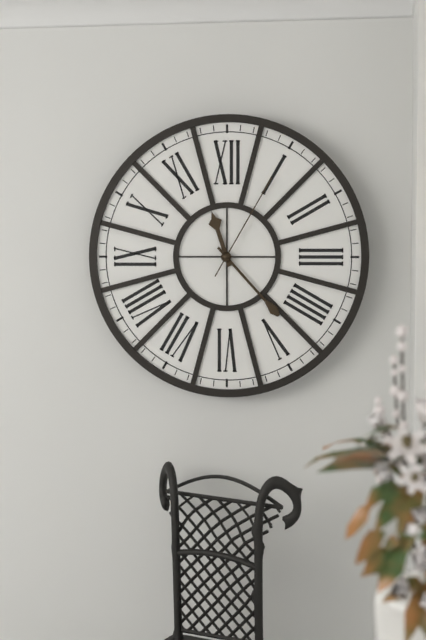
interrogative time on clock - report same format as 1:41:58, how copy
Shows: 11:23:05
